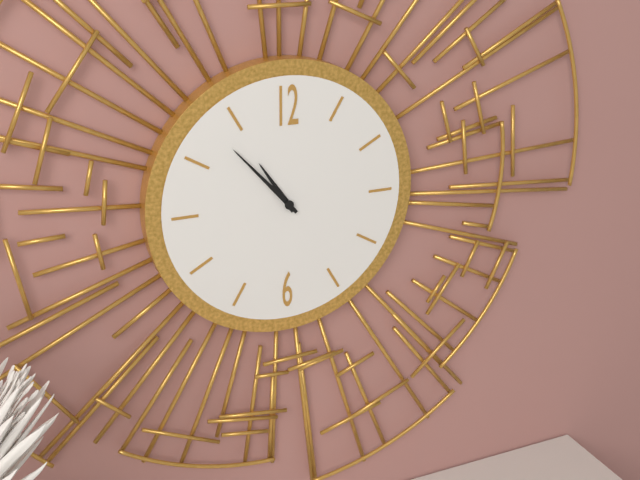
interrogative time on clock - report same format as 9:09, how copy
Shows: 10:53
